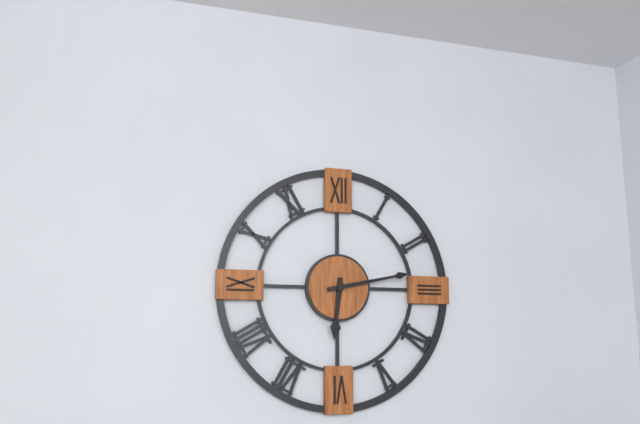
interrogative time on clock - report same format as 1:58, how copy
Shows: 6:13
